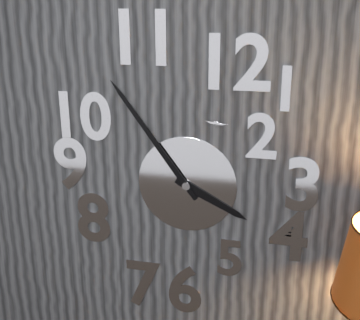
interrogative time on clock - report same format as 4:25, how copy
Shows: 3:54
